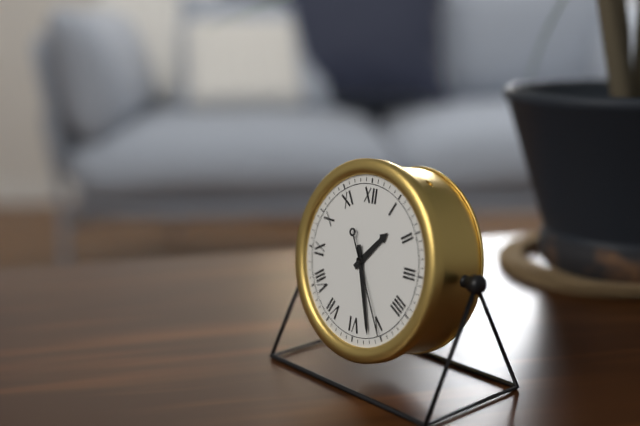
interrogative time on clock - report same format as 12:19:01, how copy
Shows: 1:27:25
